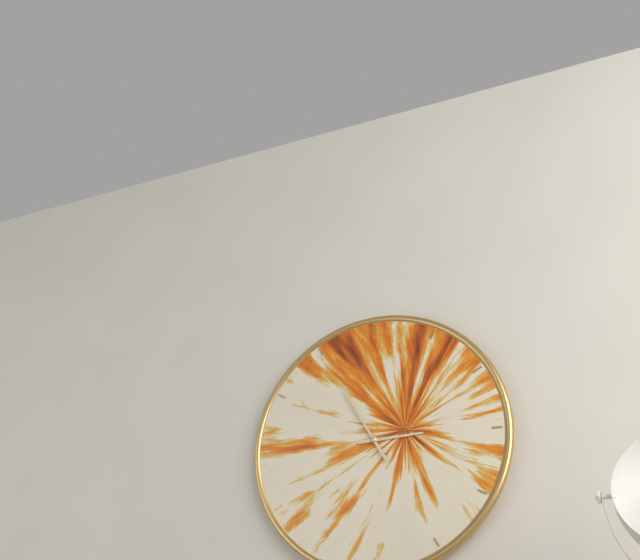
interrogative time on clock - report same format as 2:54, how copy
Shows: 2:55
